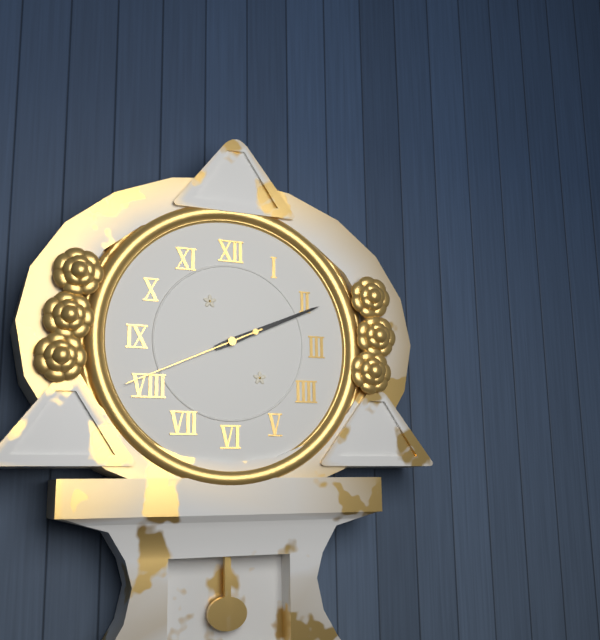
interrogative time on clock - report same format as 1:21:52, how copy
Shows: 2:11:41
